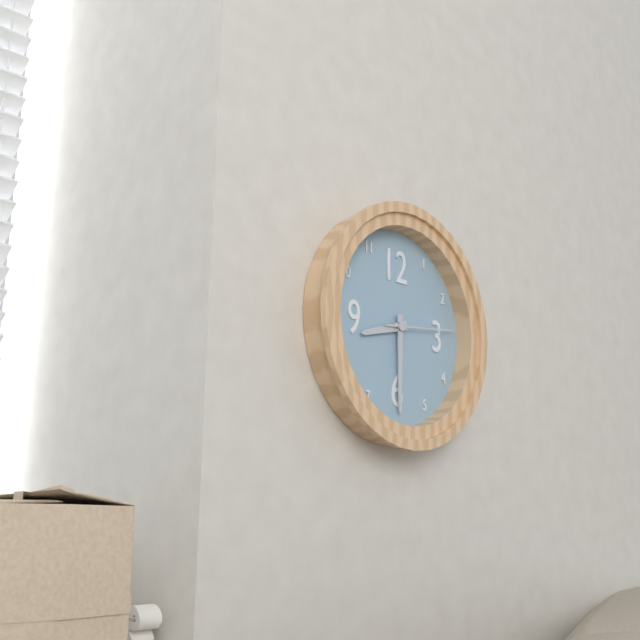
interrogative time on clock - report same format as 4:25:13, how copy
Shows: 8:30:14
